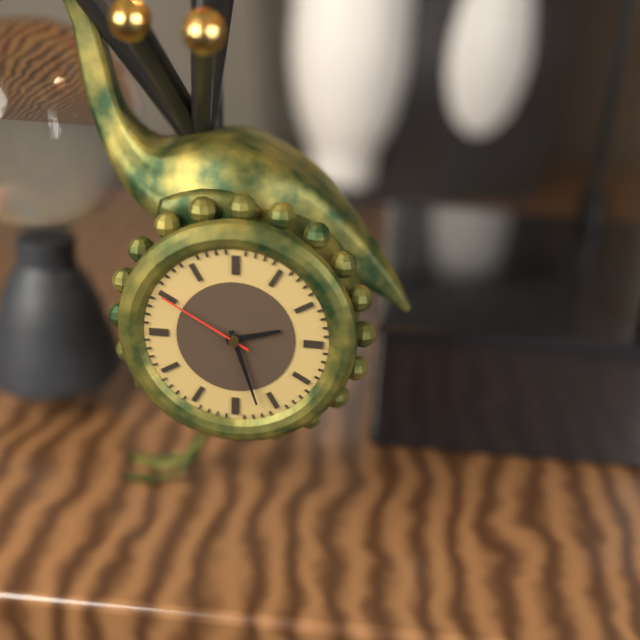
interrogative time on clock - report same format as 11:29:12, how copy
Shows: 2:27:50
